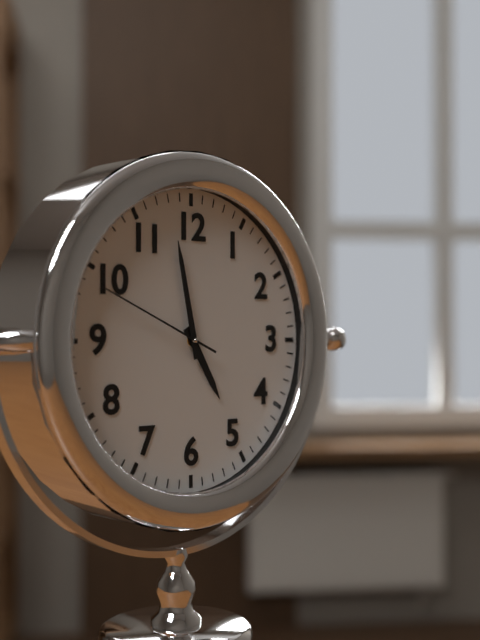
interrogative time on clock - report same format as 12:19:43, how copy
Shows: 4:58:49
